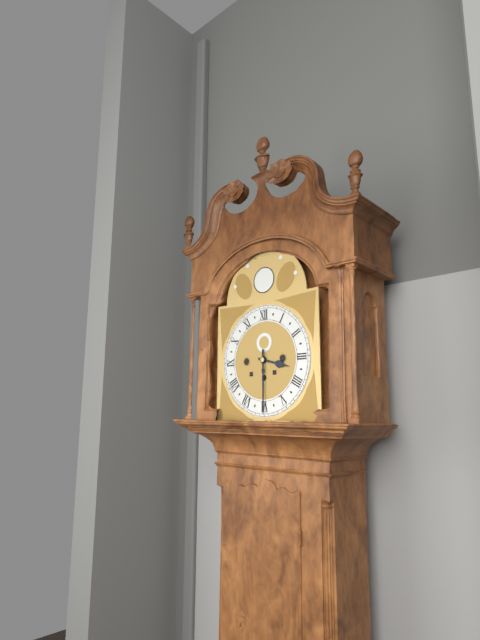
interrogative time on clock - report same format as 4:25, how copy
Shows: 3:30
